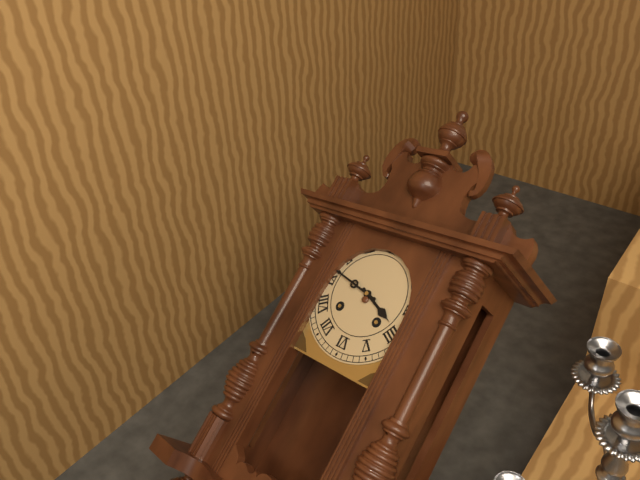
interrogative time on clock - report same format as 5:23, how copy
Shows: 3:47
